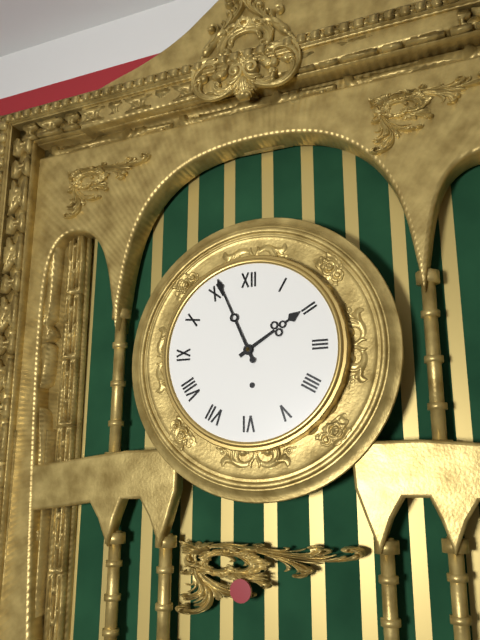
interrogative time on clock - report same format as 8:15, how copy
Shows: 1:56
